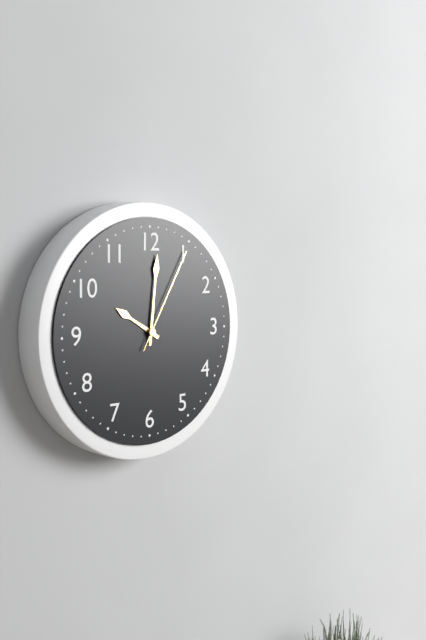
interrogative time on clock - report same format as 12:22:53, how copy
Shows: 10:01:05
